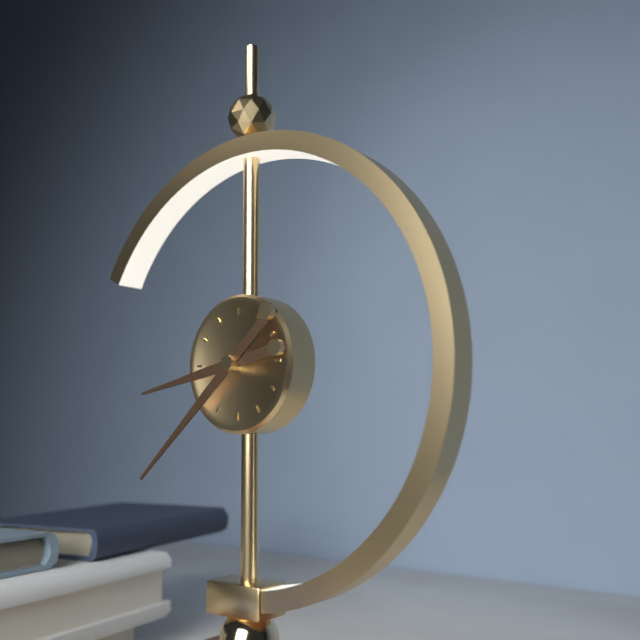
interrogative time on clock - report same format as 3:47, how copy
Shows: 8:38
